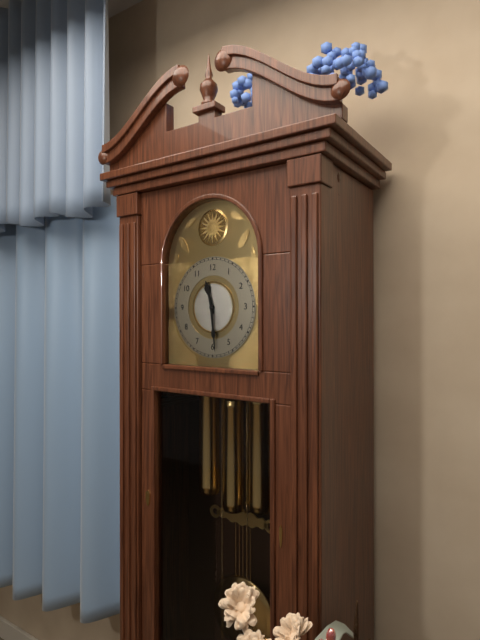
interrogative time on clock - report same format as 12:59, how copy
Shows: 11:29
